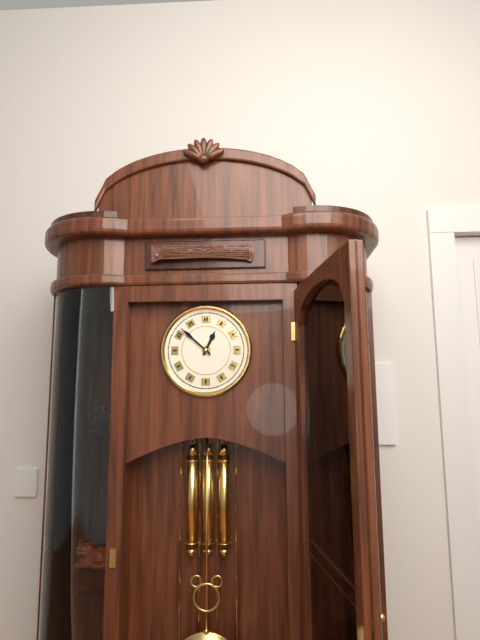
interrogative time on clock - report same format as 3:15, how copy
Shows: 12:52
